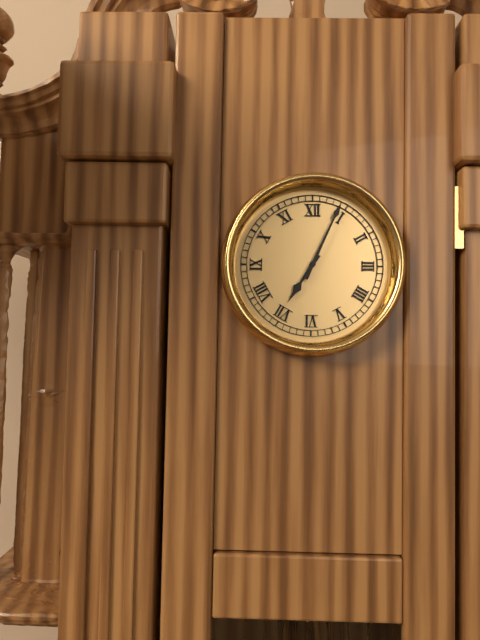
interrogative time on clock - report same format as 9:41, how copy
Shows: 7:04
